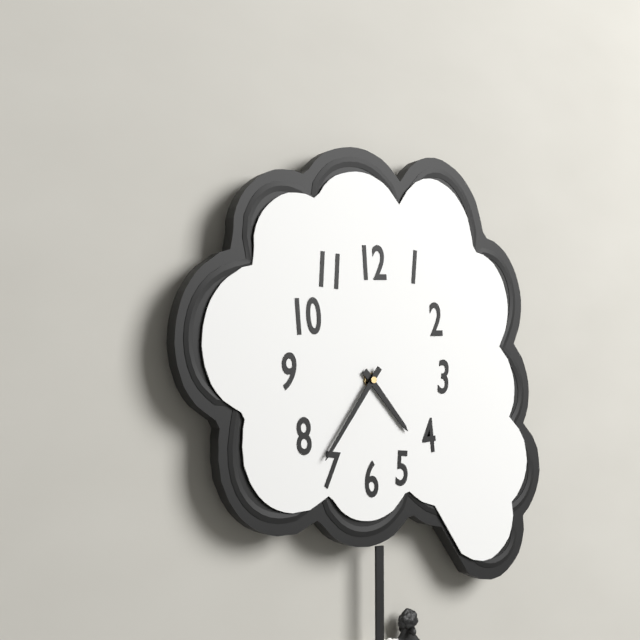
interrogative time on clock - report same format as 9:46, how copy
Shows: 4:36
